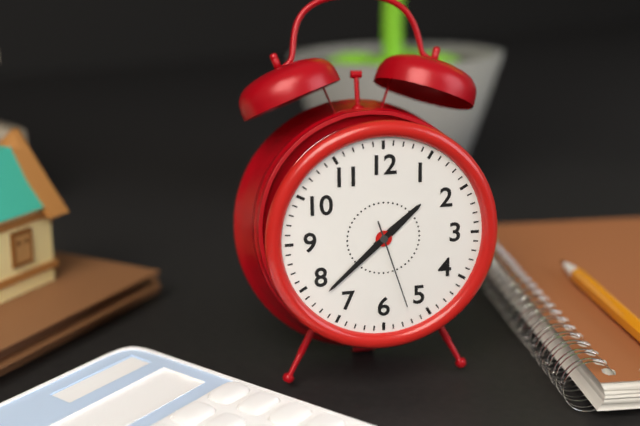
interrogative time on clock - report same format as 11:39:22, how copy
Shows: 1:38:27
